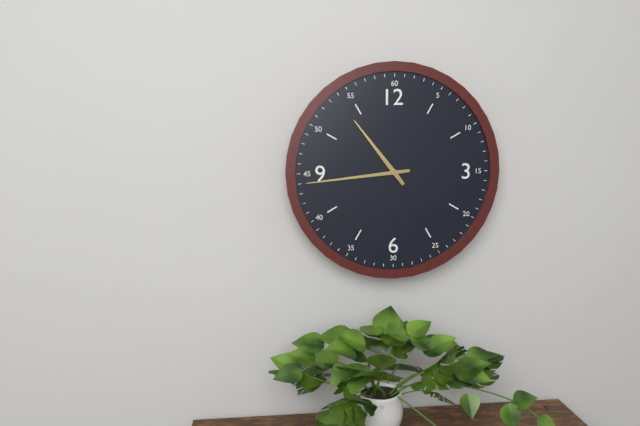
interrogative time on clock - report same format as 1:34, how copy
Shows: 10:44
